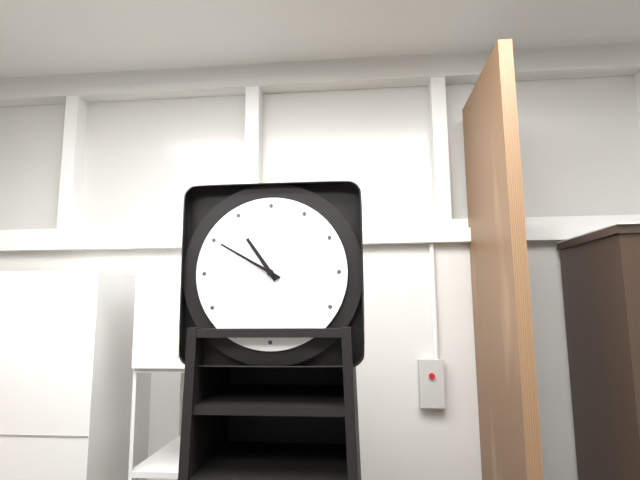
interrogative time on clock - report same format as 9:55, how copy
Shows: 10:50
